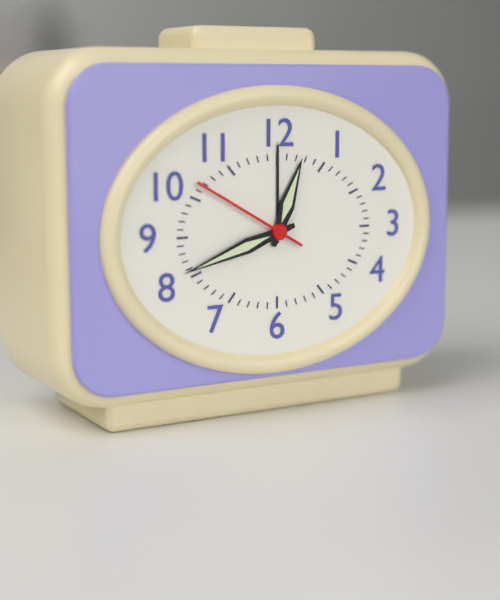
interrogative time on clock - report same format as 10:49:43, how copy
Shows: 12:42:50
